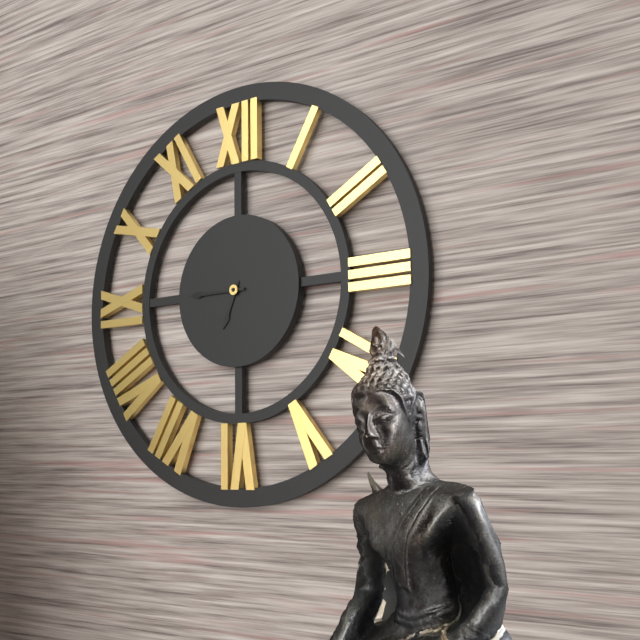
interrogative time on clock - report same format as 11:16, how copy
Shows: 6:45
